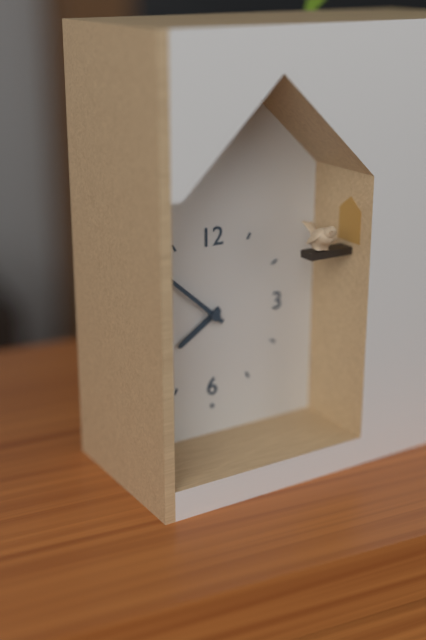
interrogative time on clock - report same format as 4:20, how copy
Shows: 7:52
